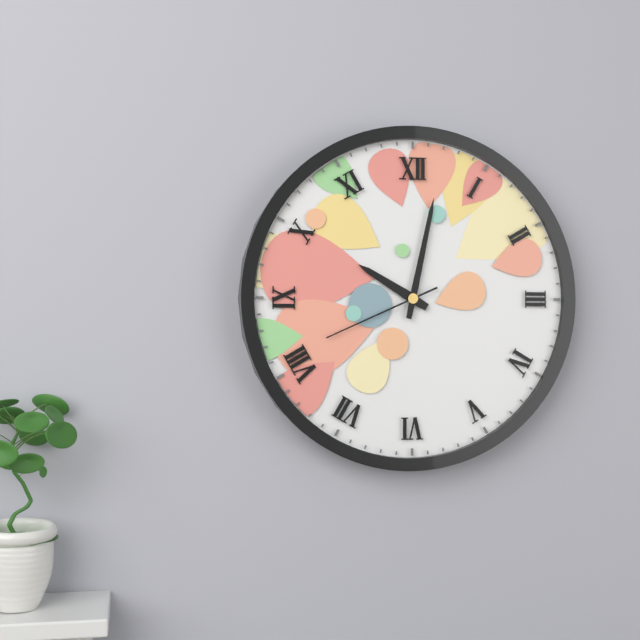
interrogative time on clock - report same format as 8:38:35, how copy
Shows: 10:02:41
